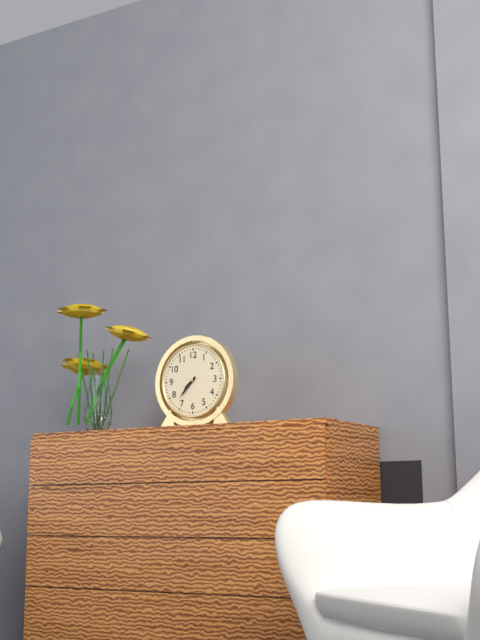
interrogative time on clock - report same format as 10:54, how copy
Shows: 7:37
